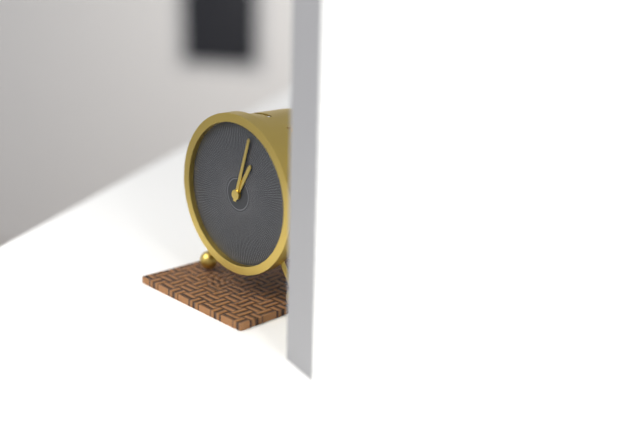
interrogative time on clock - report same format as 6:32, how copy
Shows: 1:03
